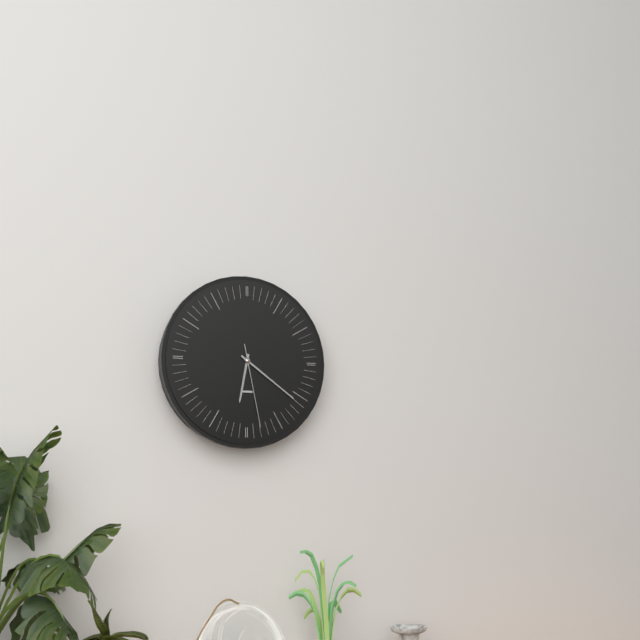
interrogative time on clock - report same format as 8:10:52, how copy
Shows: 6:21:28
